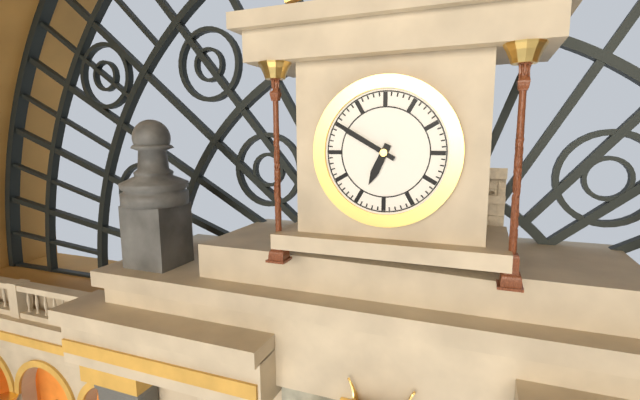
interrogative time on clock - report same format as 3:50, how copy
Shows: 6:50
